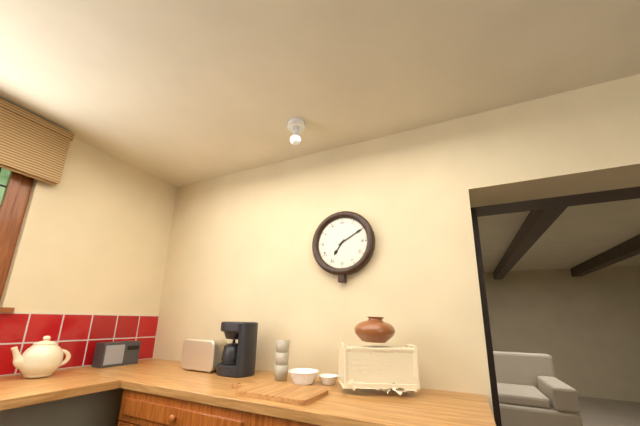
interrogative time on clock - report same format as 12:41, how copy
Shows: 7:10
